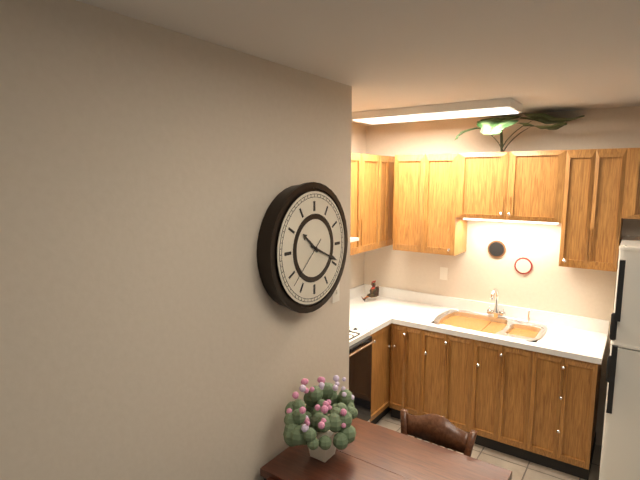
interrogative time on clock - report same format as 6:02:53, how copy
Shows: 10:19:38
